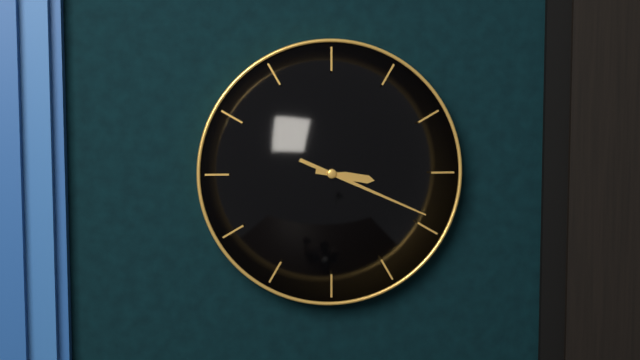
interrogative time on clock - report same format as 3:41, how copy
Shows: 3:19
